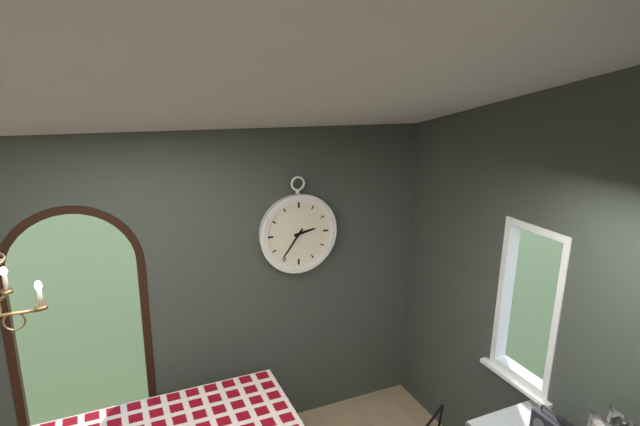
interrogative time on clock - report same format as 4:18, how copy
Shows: 2:36
